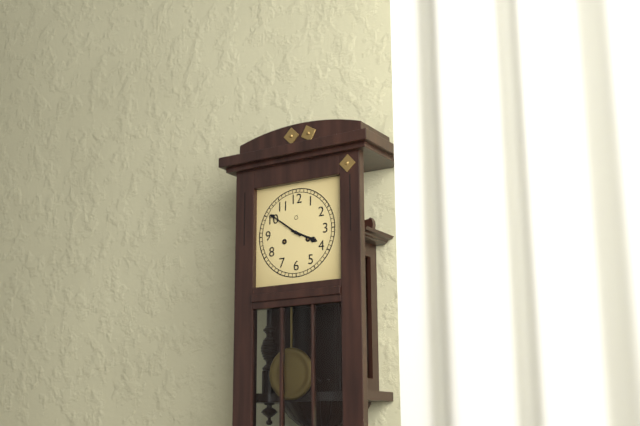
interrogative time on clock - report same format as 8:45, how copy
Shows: 3:51
